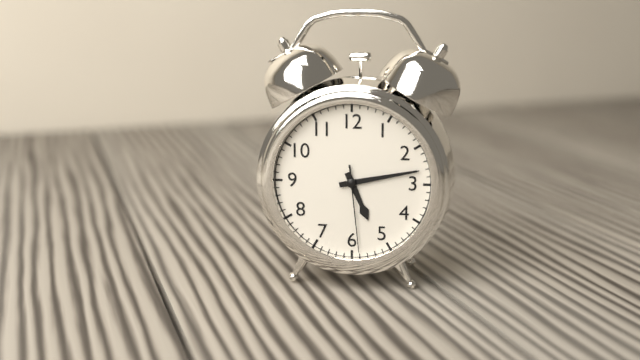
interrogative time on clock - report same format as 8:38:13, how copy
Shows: 5:13:29
